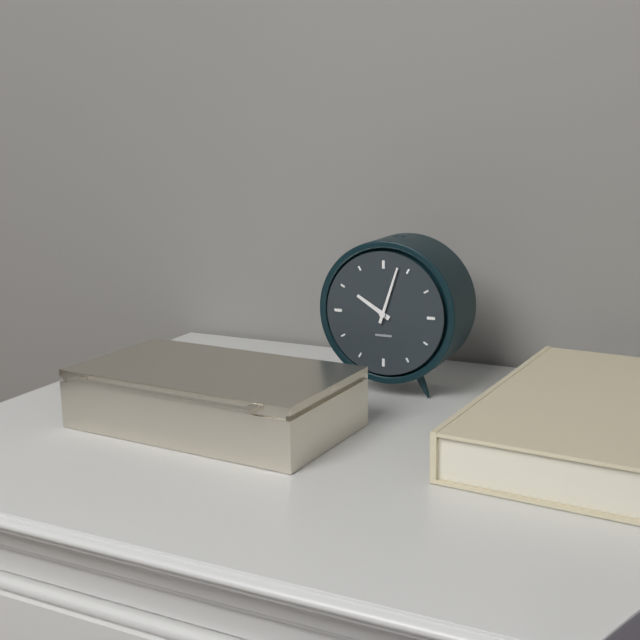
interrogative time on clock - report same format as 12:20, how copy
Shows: 10:03
